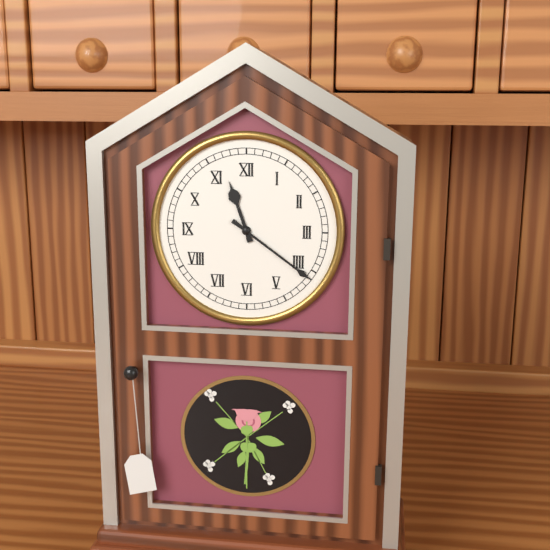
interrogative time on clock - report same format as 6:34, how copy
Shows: 11:21
